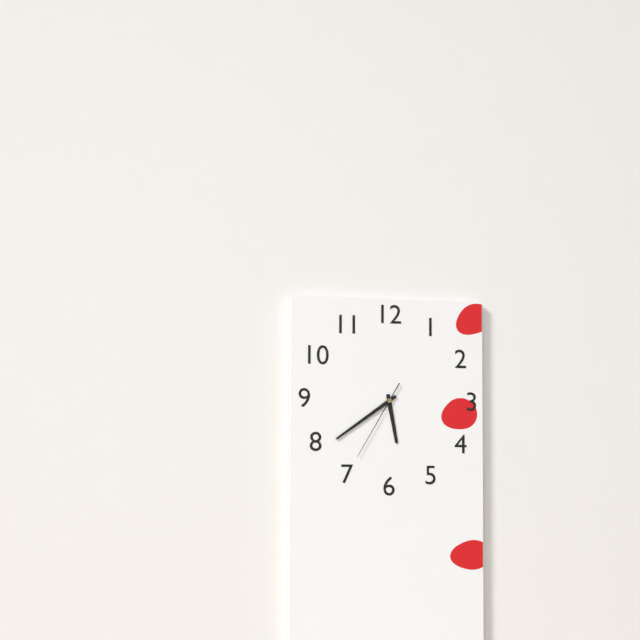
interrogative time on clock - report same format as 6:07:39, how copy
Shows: 5:39:35
